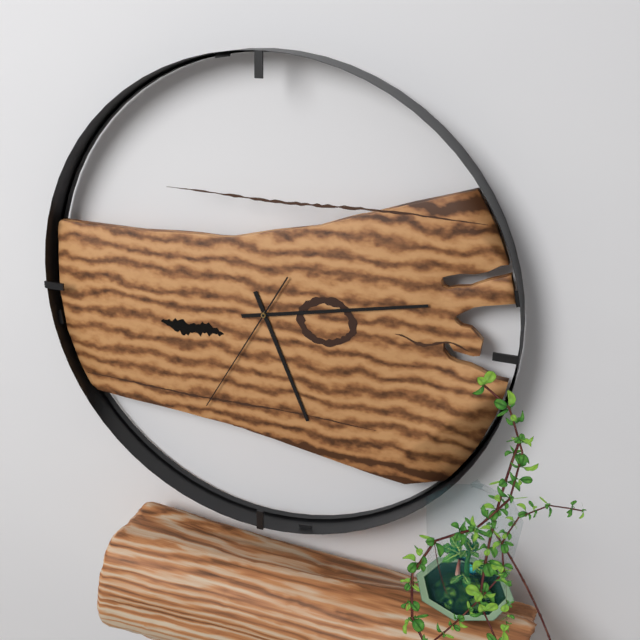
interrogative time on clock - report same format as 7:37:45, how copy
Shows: 5:13:35
